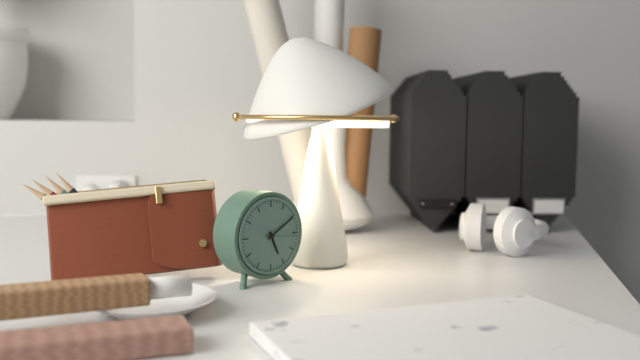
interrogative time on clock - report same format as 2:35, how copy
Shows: 5:10
